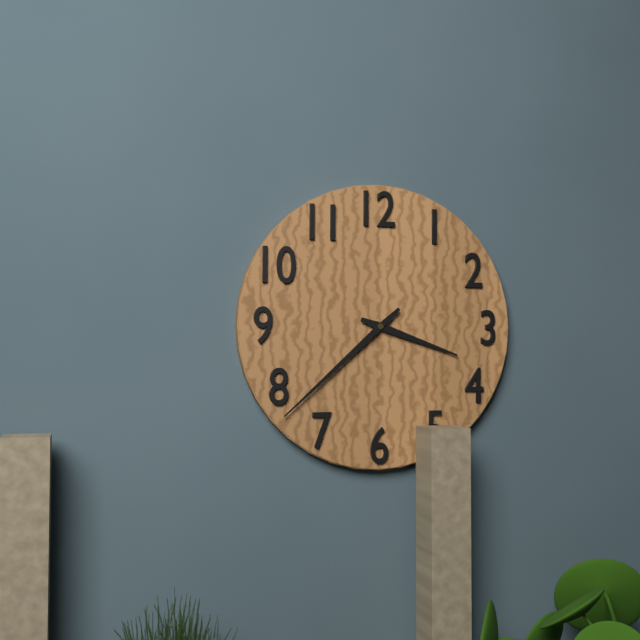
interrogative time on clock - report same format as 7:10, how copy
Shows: 3:38
